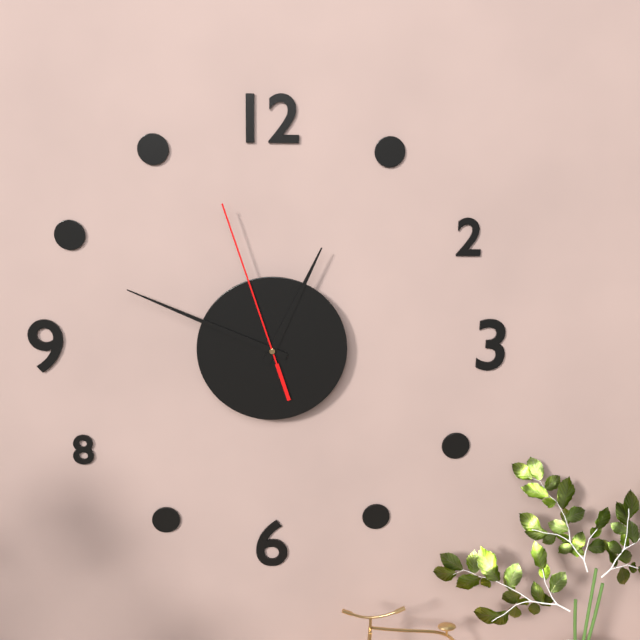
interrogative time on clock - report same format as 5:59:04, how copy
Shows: 12:49:57
